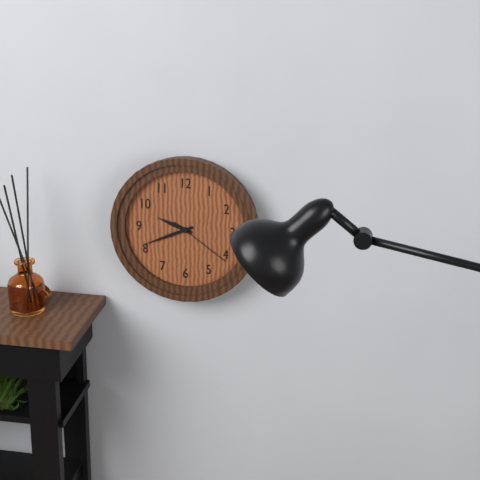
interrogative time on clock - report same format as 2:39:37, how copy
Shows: 9:41:21
